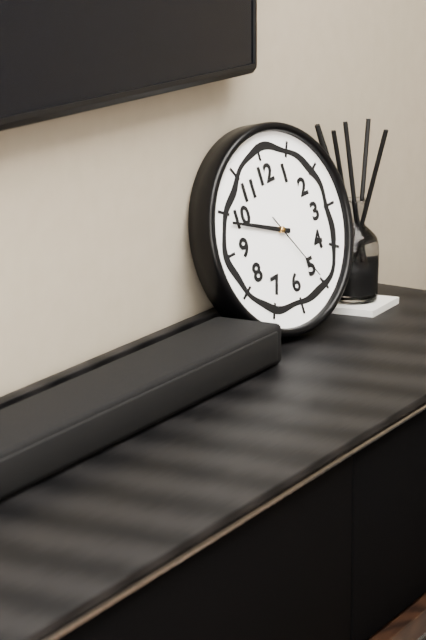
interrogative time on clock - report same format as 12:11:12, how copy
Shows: 9:49:25
